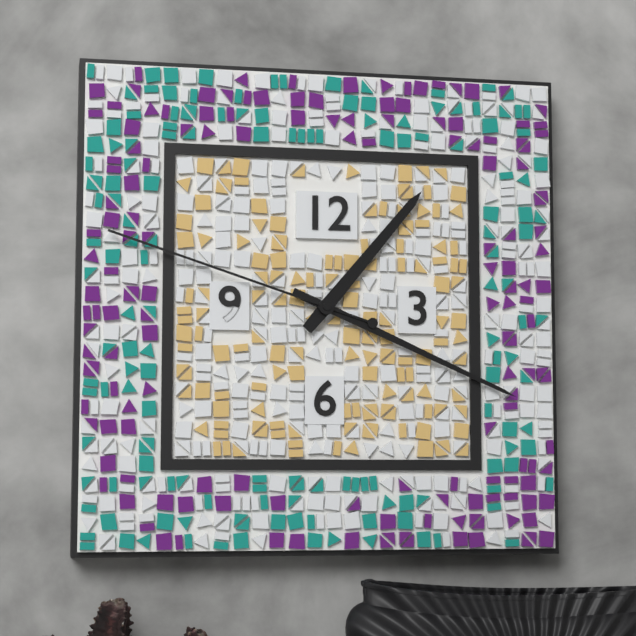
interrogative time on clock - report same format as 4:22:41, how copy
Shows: 1:19:48
